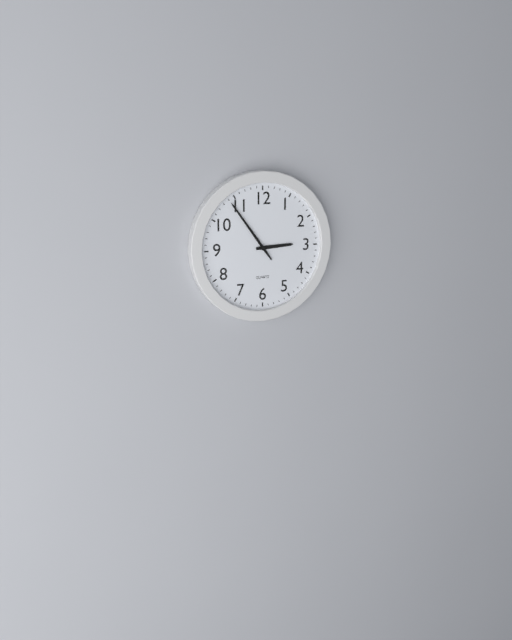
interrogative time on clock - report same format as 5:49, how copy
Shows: 2:54
